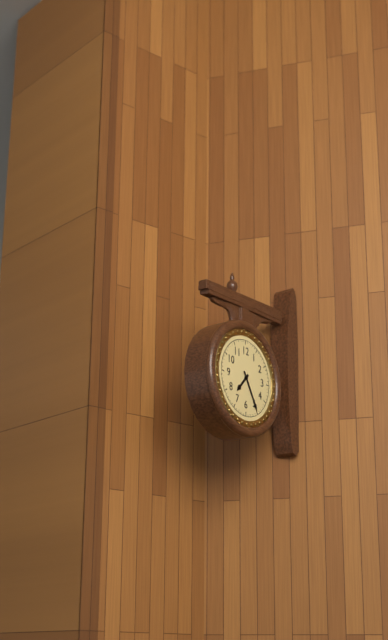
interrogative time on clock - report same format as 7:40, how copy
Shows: 7:25
